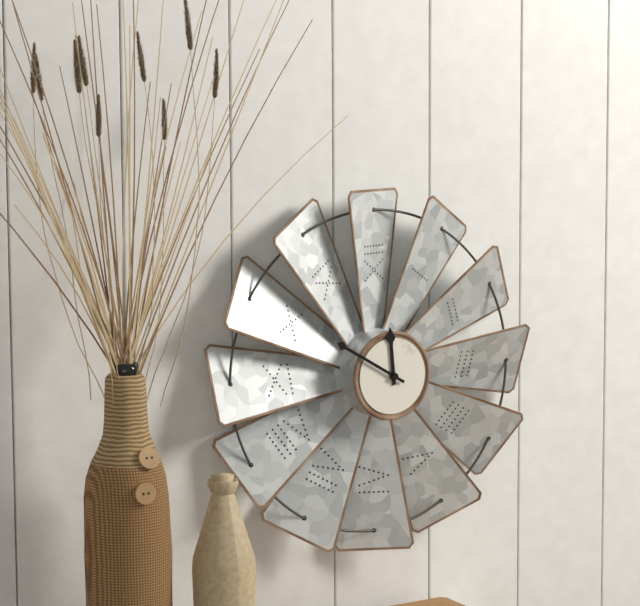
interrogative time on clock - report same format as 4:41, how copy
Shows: 11:50
